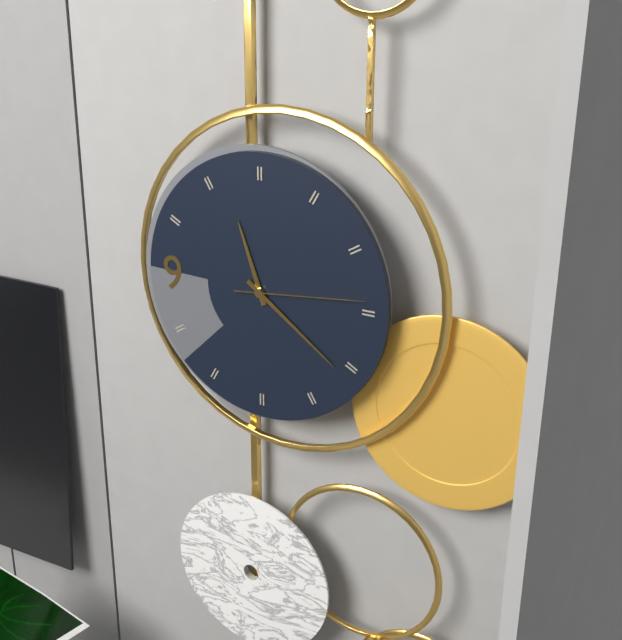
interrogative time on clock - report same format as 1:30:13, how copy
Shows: 11:21:14
